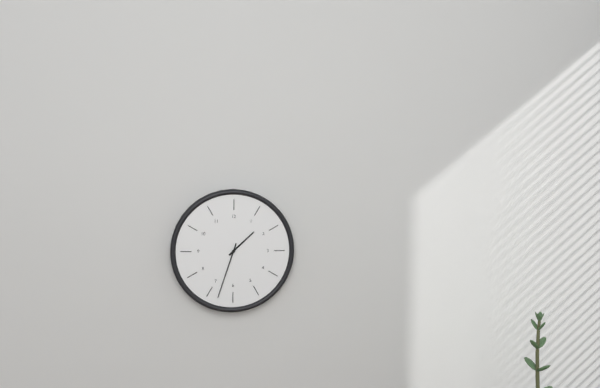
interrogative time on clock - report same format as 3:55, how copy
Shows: 1:33
